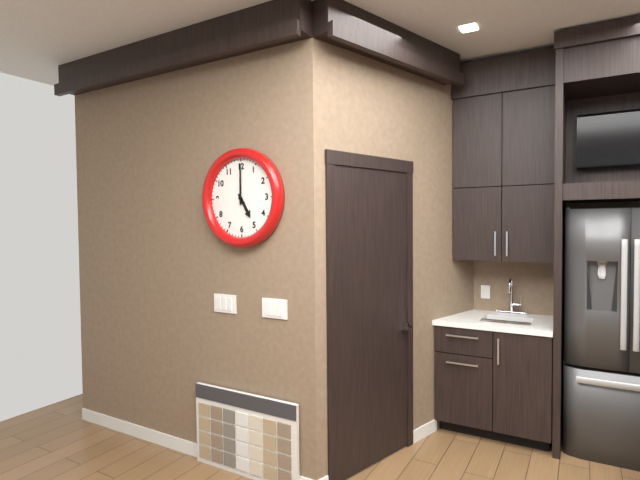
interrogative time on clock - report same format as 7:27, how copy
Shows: 5:00
